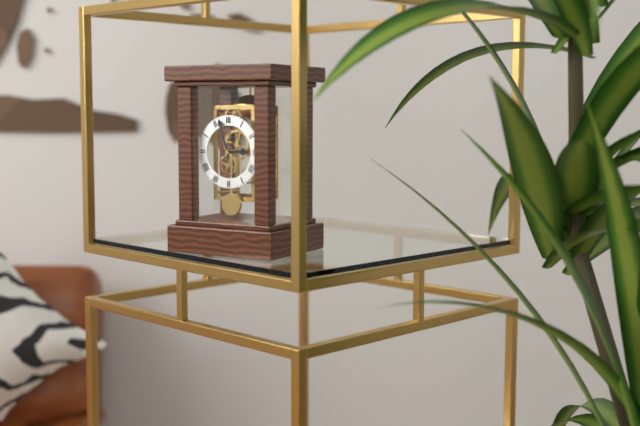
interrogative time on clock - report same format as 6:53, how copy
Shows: 2:57
